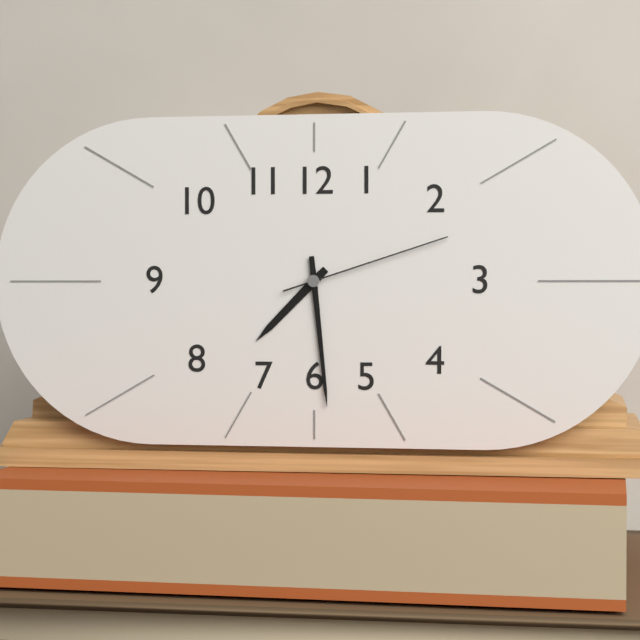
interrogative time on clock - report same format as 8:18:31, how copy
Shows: 7:29:12
